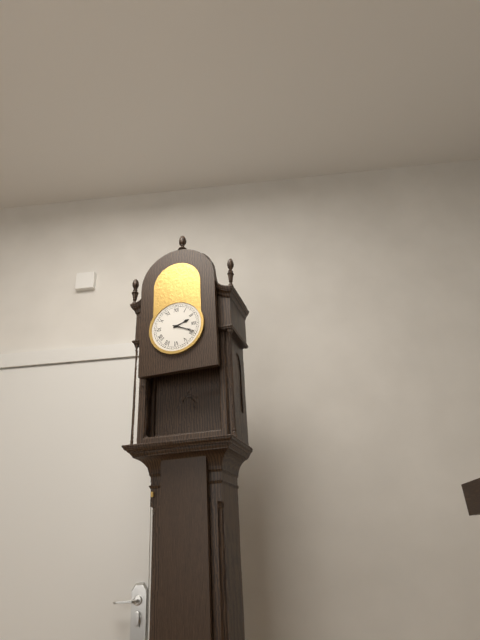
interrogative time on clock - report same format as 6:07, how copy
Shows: 2:19
